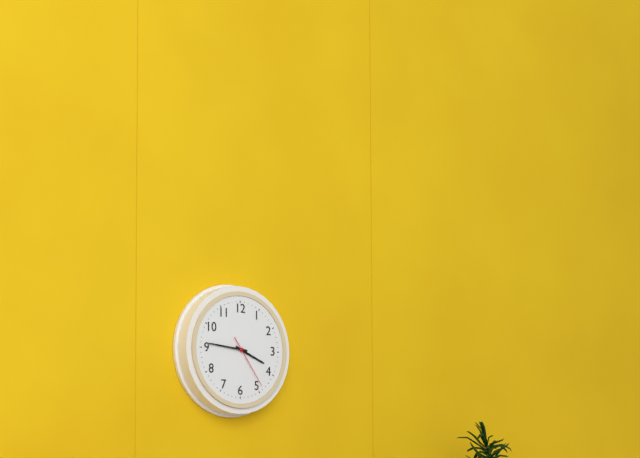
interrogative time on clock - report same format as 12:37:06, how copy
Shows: 3:46:24
